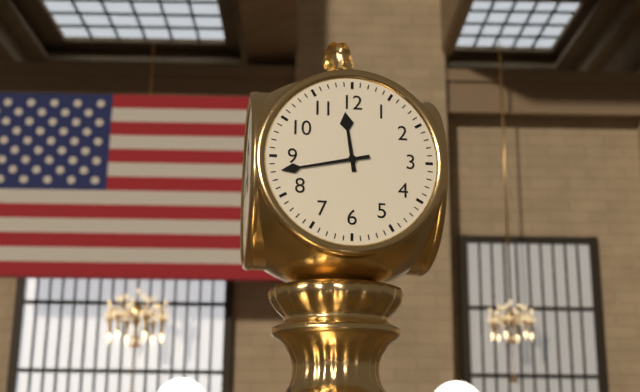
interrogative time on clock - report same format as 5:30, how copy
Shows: 11:43
